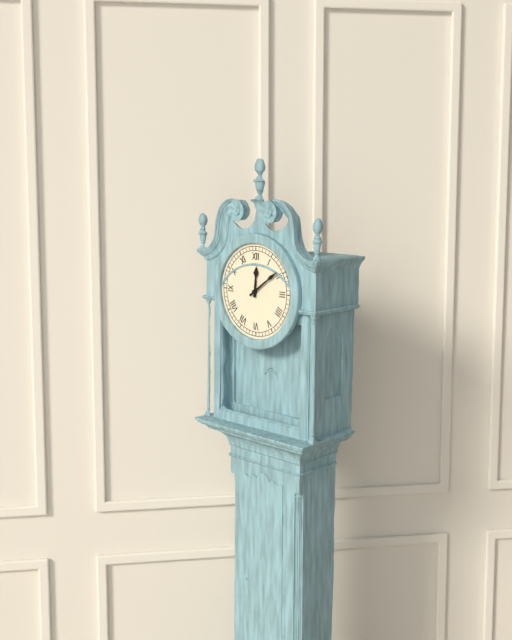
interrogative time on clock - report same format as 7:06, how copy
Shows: 12:09
